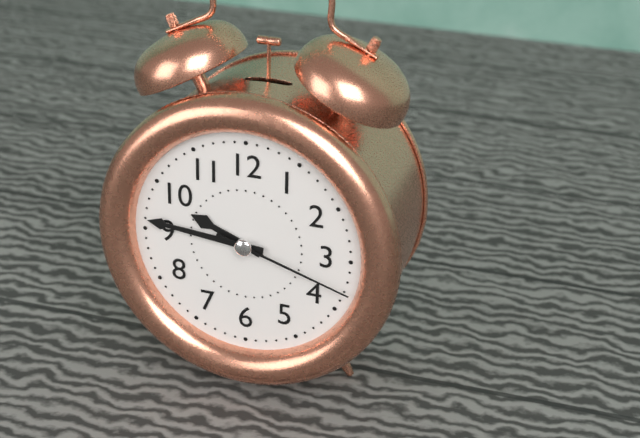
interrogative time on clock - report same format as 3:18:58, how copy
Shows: 9:46:18
